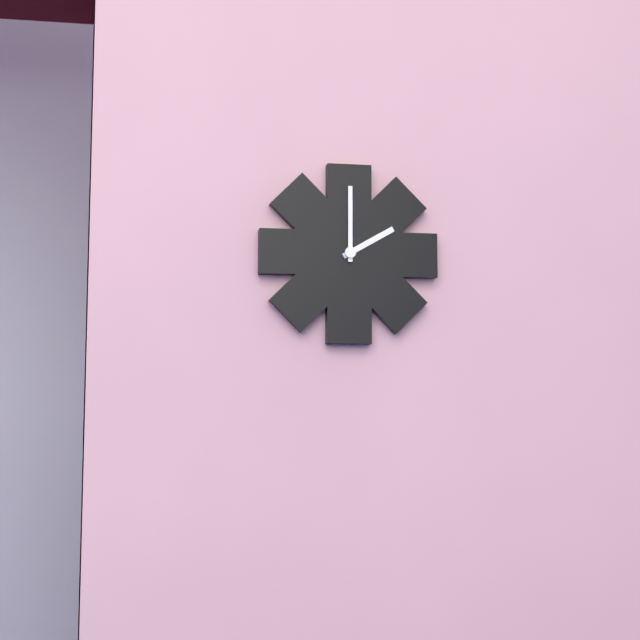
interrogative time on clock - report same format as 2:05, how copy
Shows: 2:00
